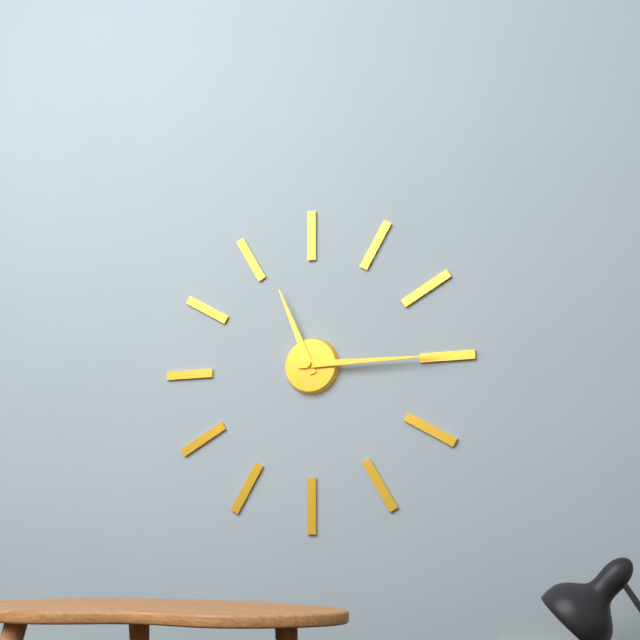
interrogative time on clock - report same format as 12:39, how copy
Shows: 11:15
